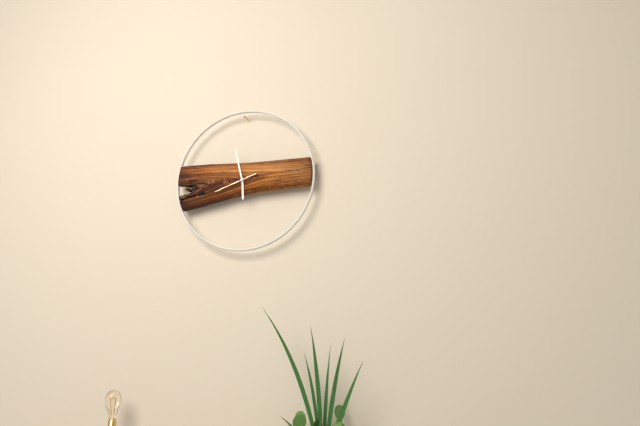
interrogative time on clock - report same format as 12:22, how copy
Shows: 5:58
